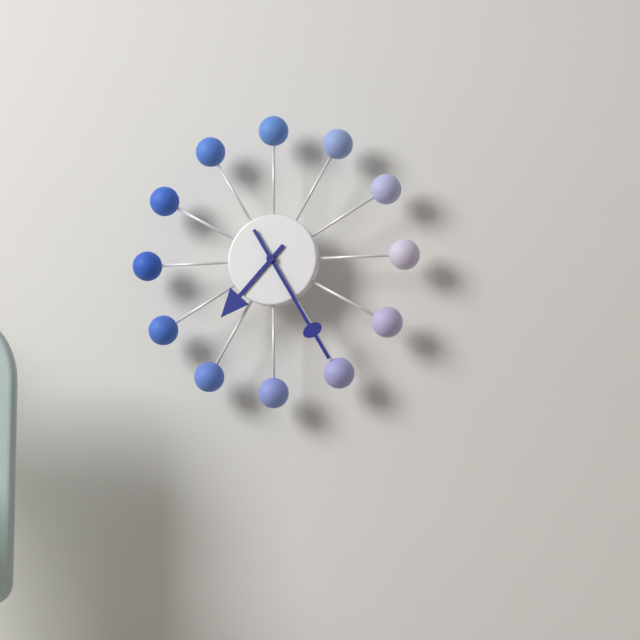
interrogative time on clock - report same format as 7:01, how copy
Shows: 7:25
